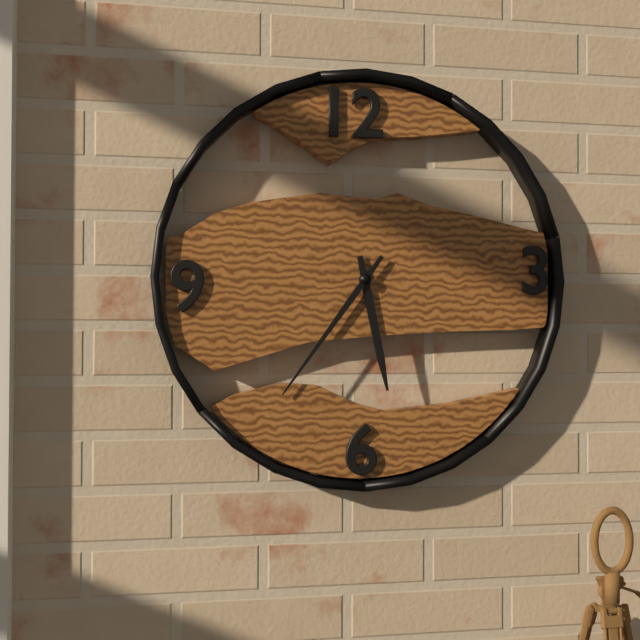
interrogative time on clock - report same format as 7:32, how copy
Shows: 5:36
